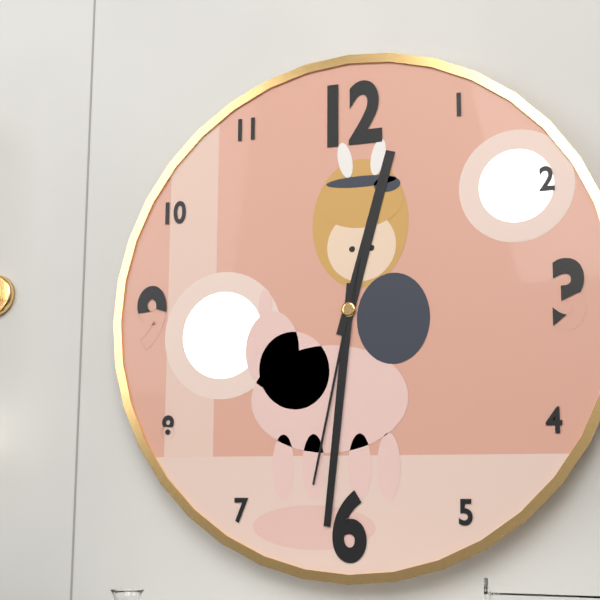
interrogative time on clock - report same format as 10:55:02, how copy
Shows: 12:31:32
